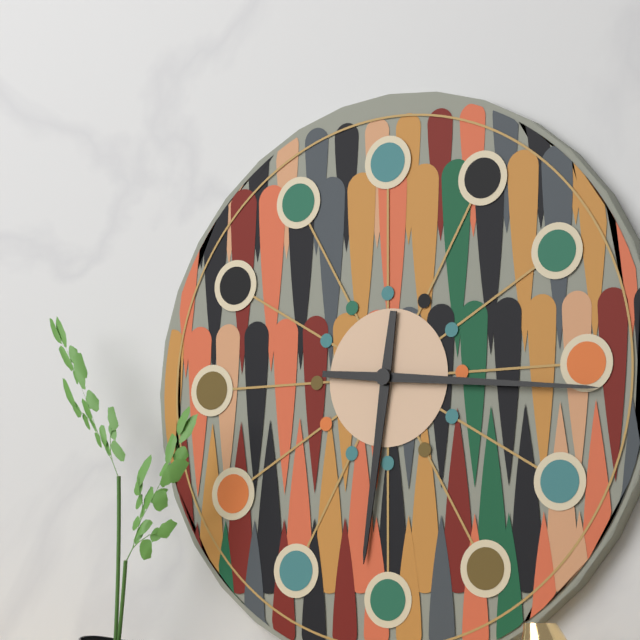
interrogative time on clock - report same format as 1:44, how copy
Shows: 6:16
